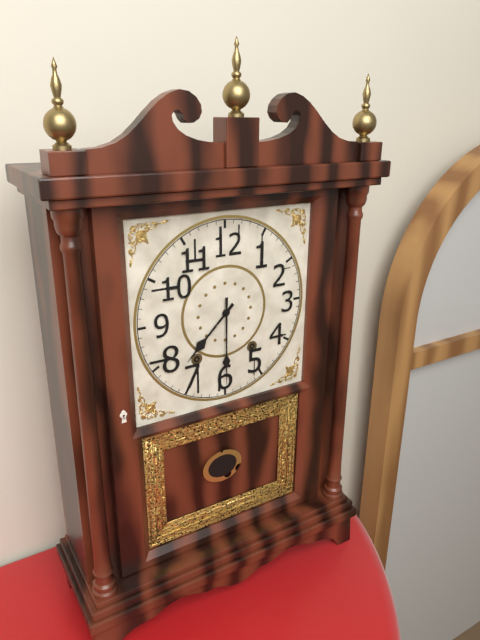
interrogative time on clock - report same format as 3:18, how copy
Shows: 7:30
